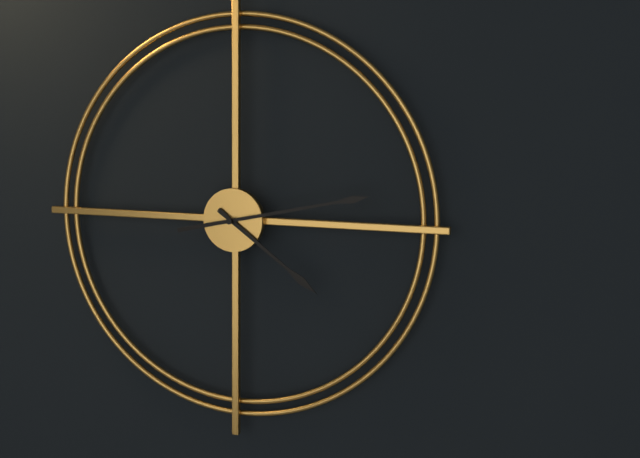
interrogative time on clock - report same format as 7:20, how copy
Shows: 4:13
